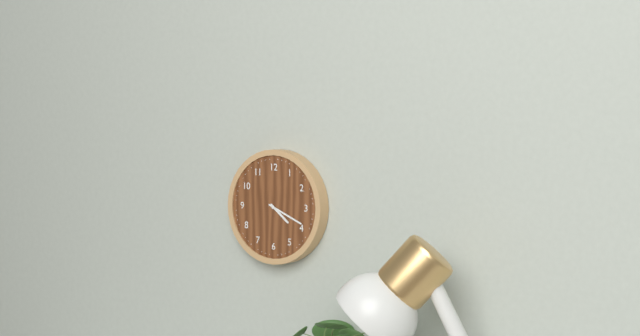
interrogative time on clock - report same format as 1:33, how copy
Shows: 4:19
